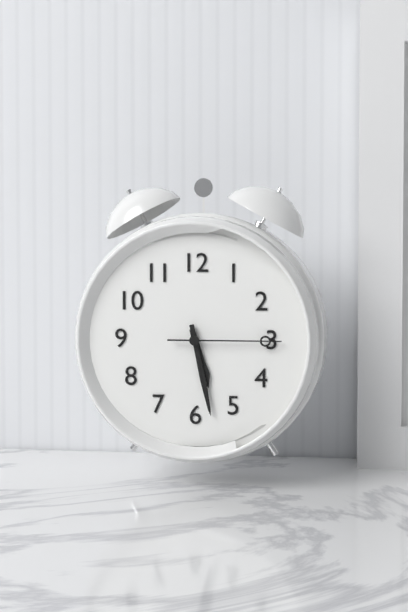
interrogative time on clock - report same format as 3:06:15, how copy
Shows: 5:28:15
